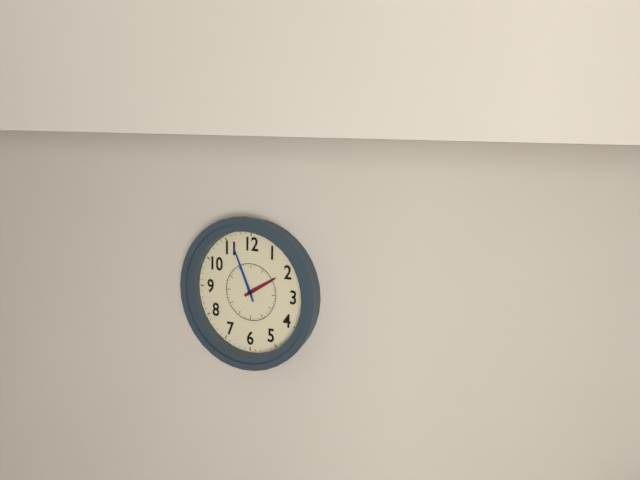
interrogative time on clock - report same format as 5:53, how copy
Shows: 1:56
